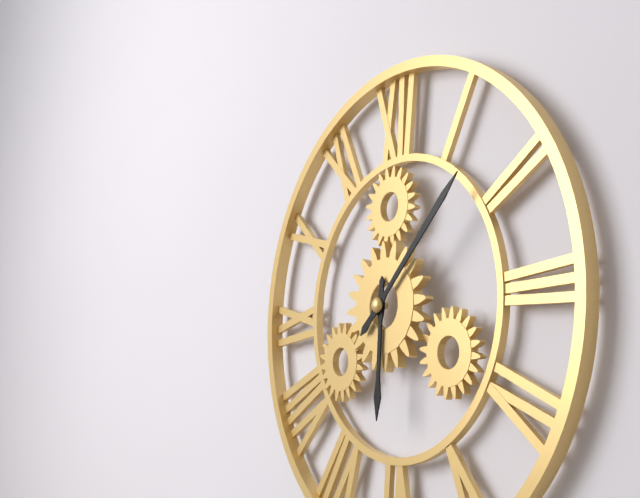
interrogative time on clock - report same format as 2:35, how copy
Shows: 6:08
